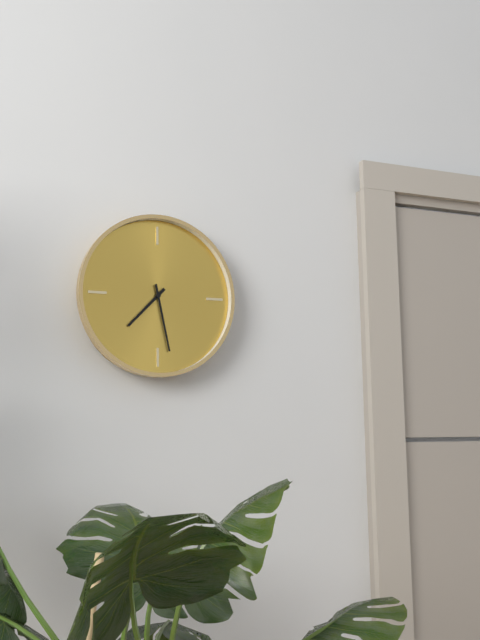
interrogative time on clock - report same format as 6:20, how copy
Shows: 7:28
